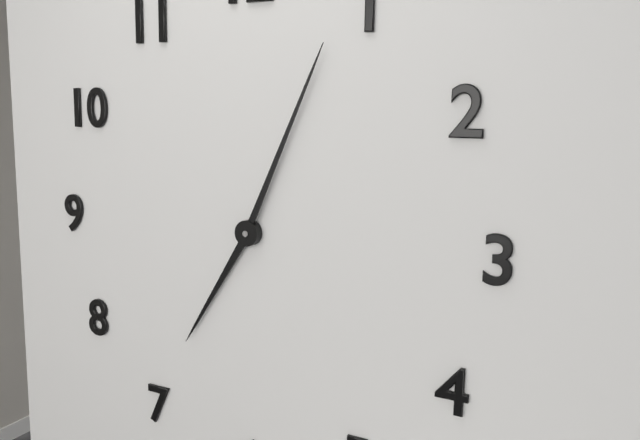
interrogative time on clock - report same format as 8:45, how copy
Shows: 7:04
